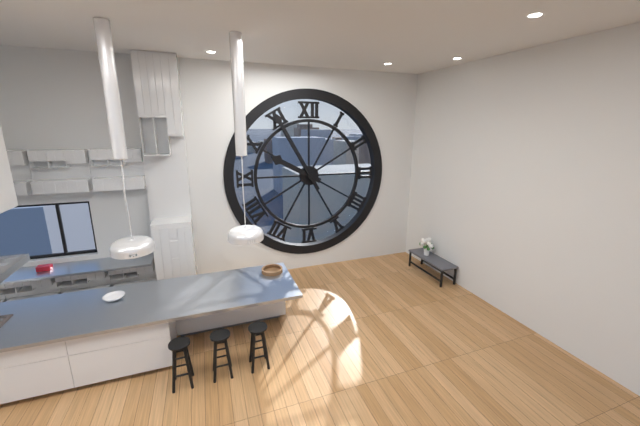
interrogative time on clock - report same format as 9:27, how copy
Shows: 9:55
